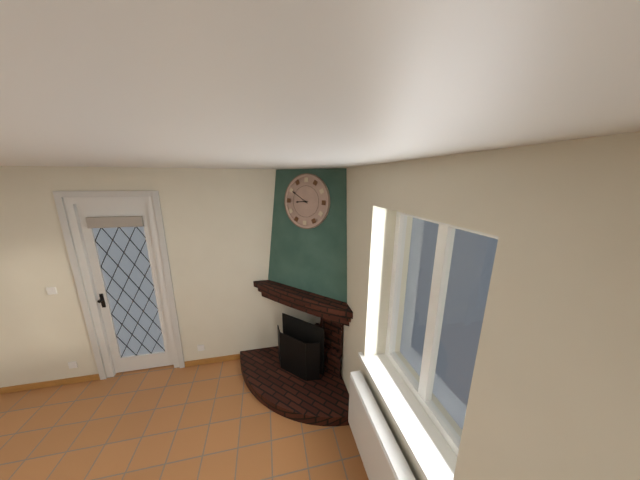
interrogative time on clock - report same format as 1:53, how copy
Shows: 8:50
